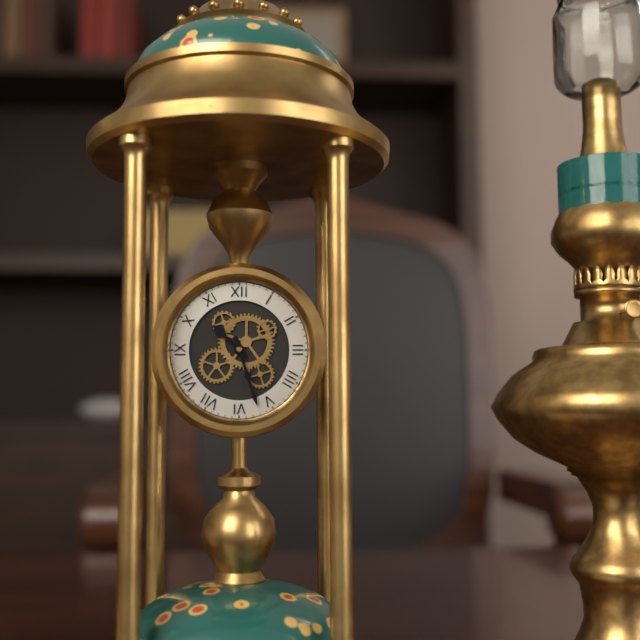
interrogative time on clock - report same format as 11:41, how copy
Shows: 10:27
